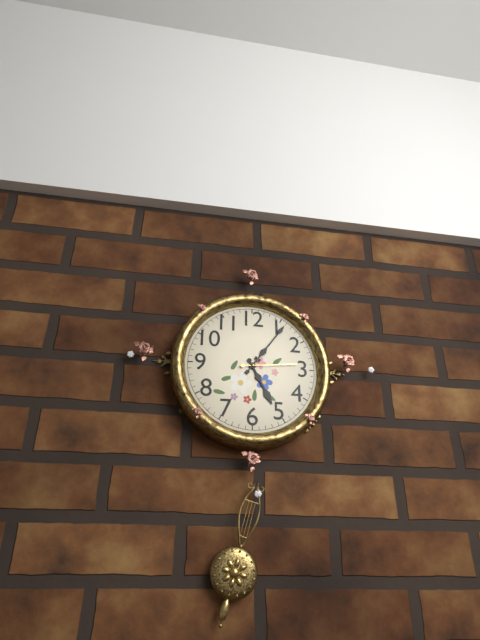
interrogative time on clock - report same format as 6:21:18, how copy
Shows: 5:06:14
